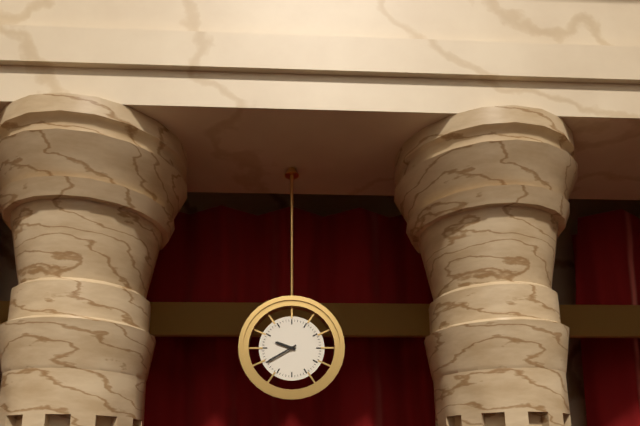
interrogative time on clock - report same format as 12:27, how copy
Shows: 9:40
